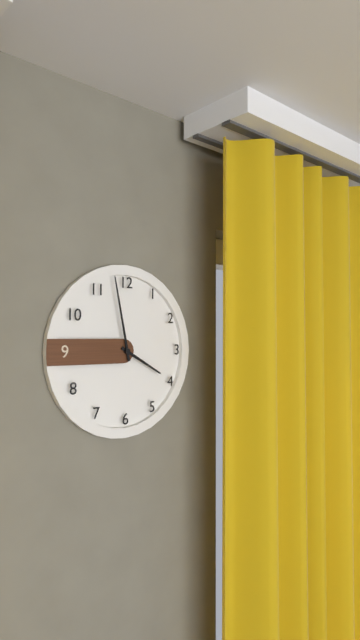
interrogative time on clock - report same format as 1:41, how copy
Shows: 3:58
